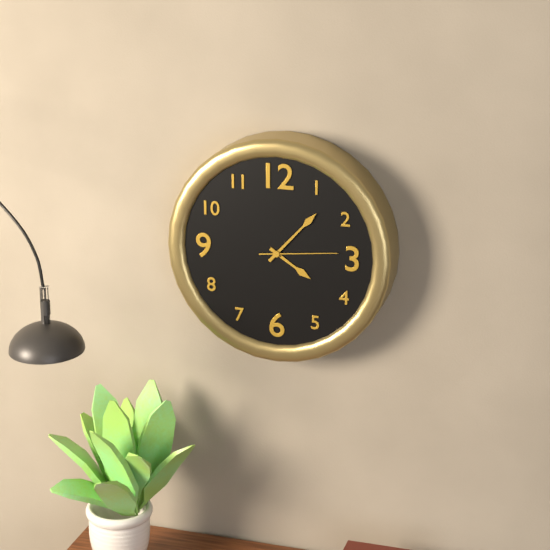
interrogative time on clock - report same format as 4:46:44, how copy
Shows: 4:07:14
